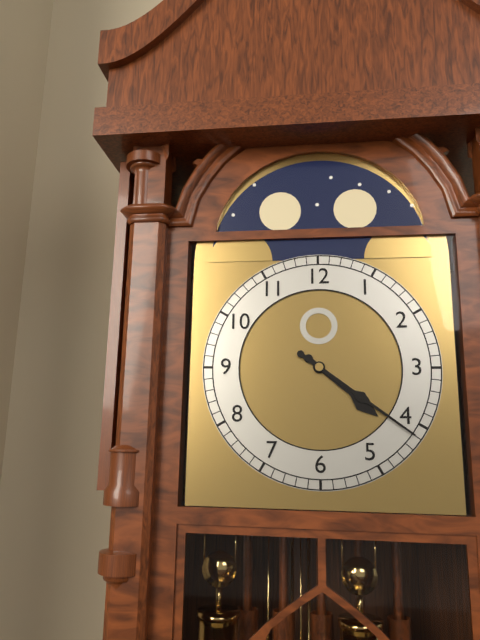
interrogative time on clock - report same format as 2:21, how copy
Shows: 4:21
